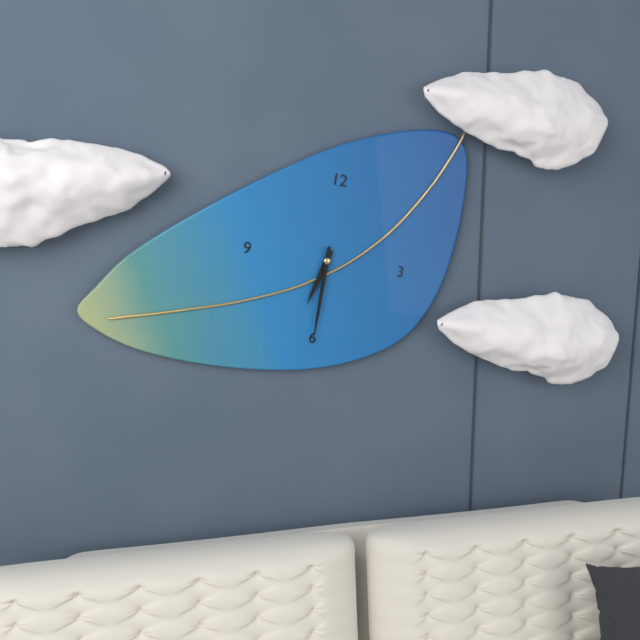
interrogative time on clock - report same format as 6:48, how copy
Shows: 6:30
